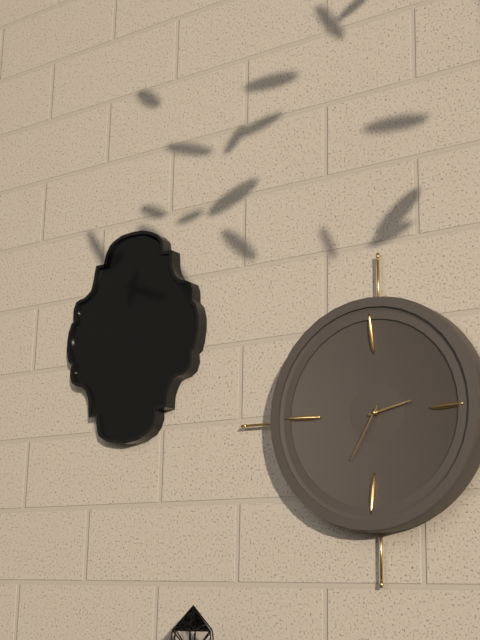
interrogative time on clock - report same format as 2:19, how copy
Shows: 2:35
